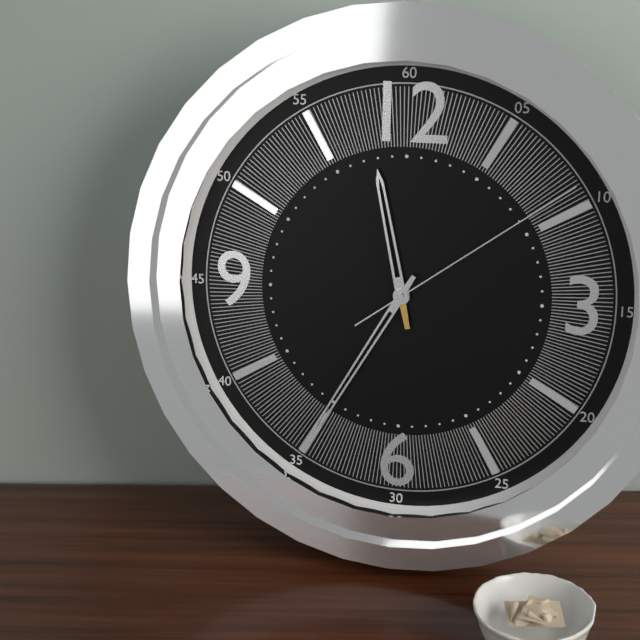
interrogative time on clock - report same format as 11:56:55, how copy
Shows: 11:35:09
